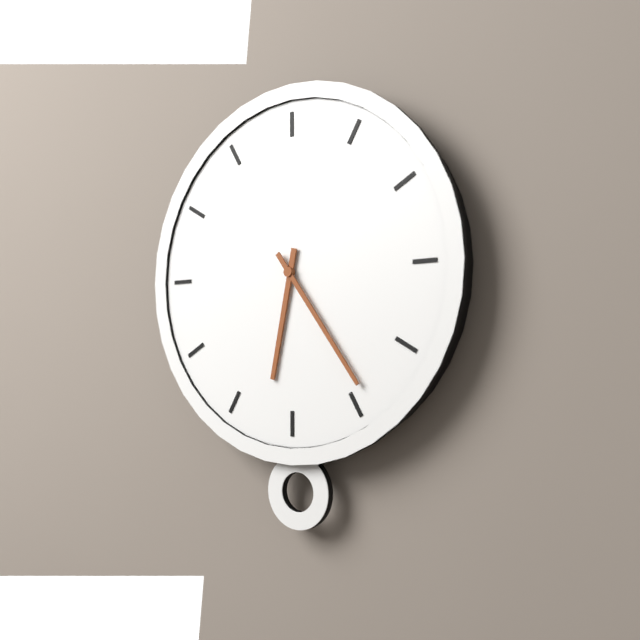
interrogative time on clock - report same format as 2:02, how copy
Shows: 6:24
